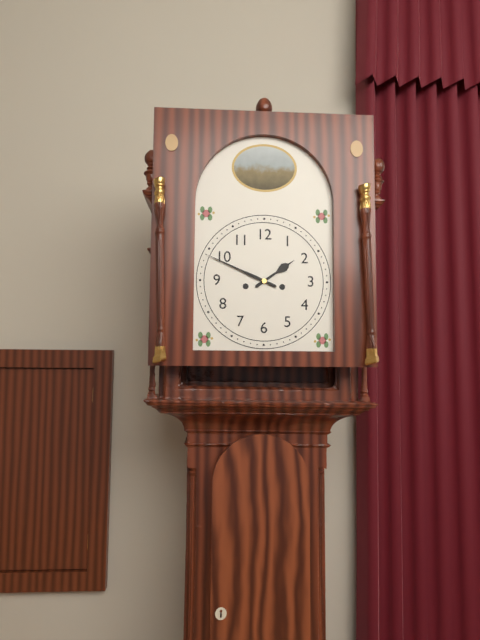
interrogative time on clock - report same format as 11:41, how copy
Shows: 1:49
